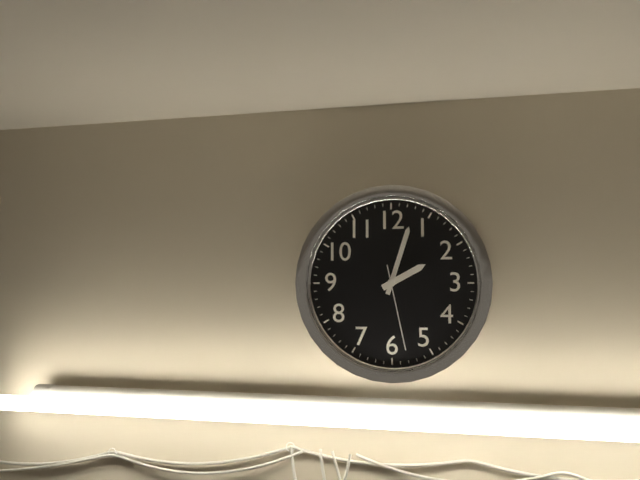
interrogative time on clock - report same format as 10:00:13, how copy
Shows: 2:03:28
